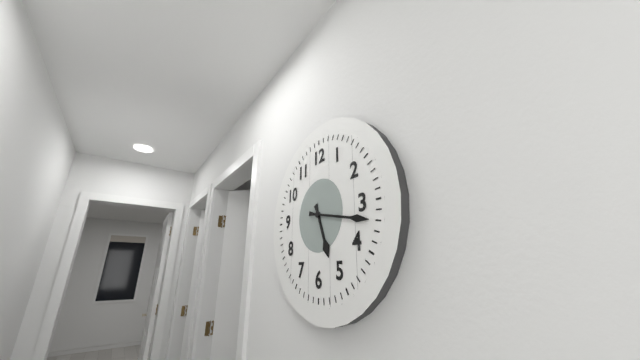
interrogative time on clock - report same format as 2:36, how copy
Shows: 5:17
